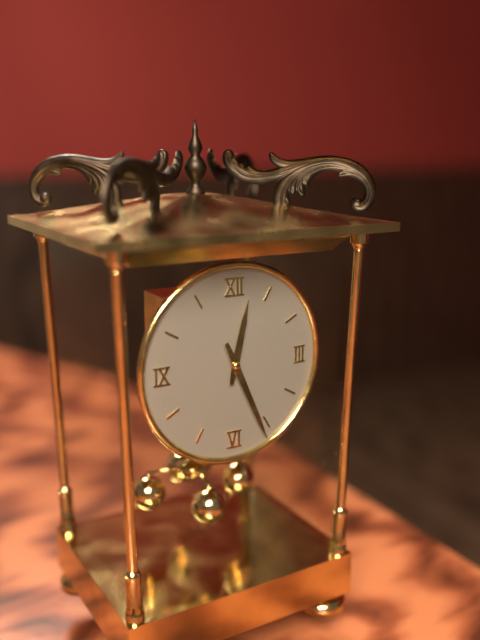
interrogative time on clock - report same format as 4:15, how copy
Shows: 12:26
